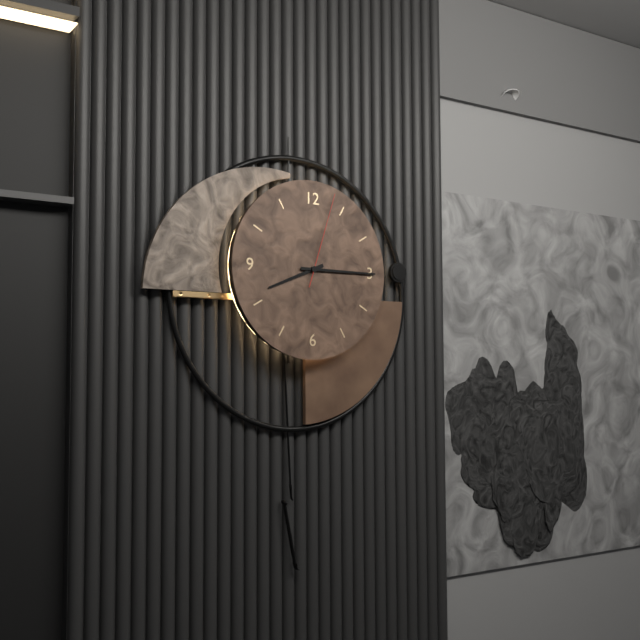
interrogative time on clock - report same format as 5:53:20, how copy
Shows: 8:15:03
